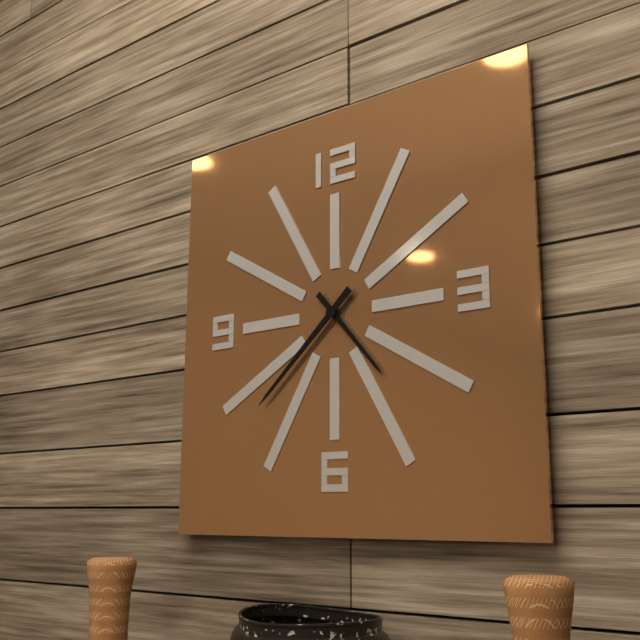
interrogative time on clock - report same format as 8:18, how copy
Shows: 4:38
